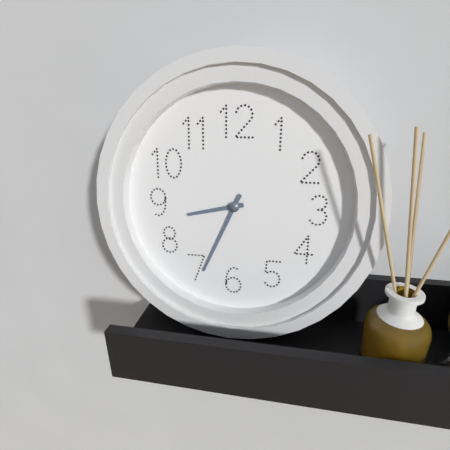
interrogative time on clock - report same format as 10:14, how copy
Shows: 8:34
